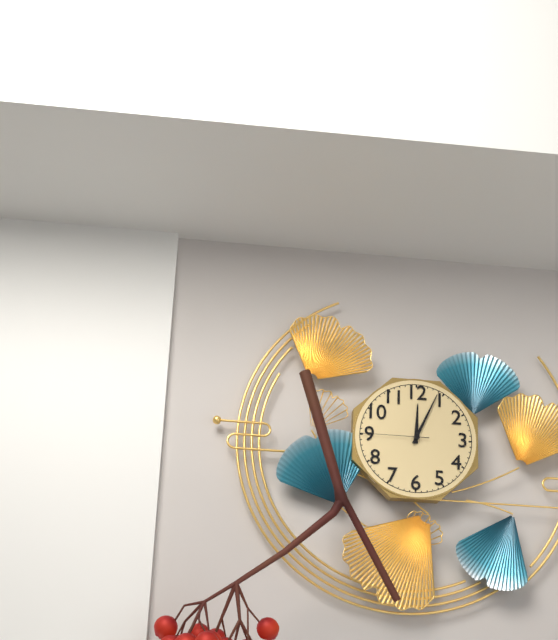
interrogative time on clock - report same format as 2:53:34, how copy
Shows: 12:04:45
